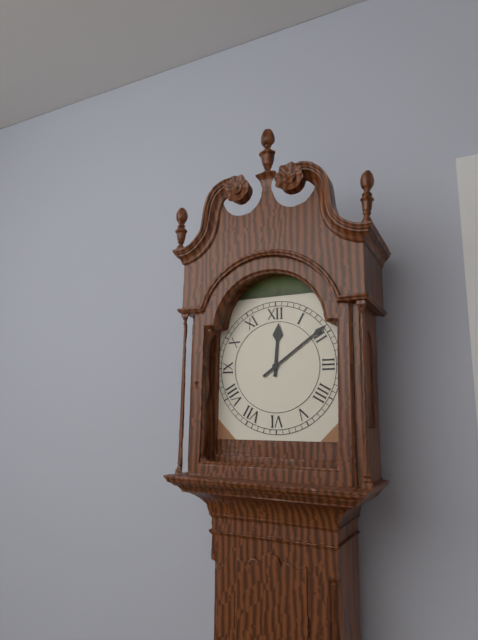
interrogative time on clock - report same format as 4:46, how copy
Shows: 12:09
